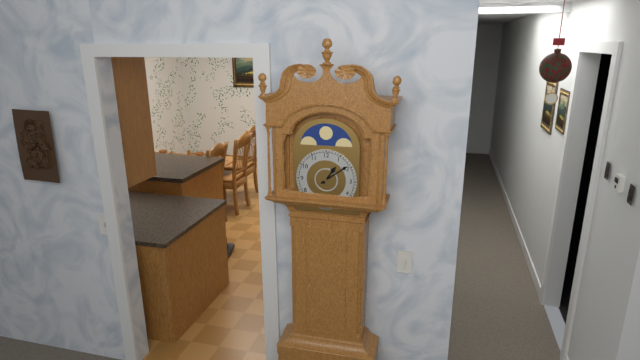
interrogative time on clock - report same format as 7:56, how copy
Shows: 1:09
